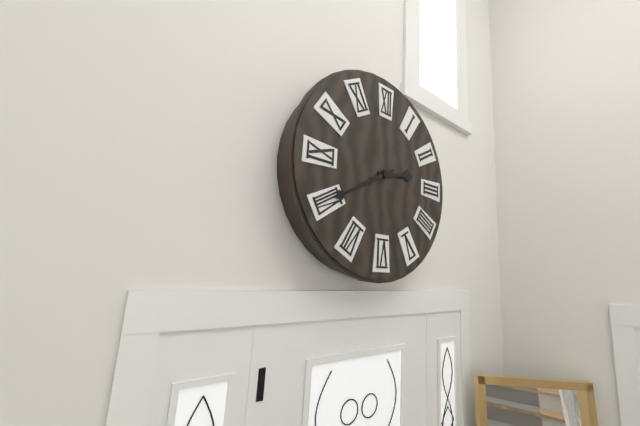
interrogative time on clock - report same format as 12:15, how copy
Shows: 2:40
